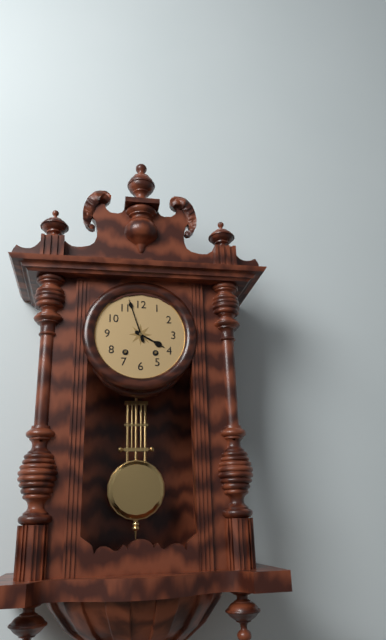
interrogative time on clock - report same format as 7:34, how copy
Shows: 3:57
